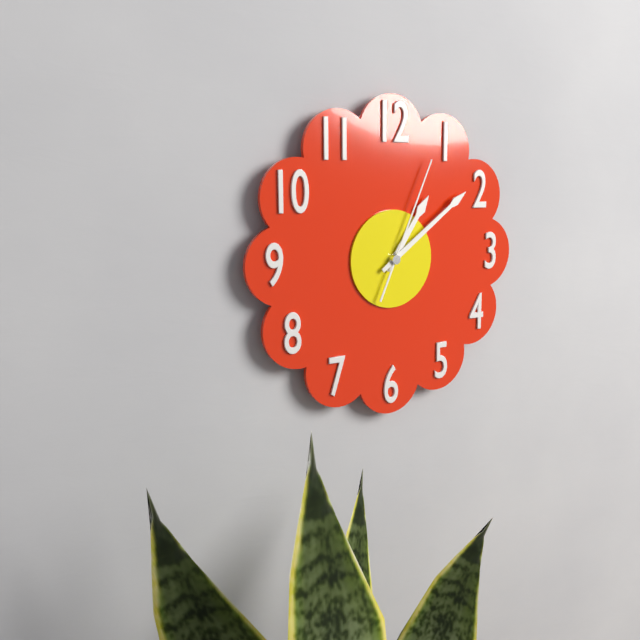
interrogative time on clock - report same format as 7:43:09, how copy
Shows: 1:09:04
